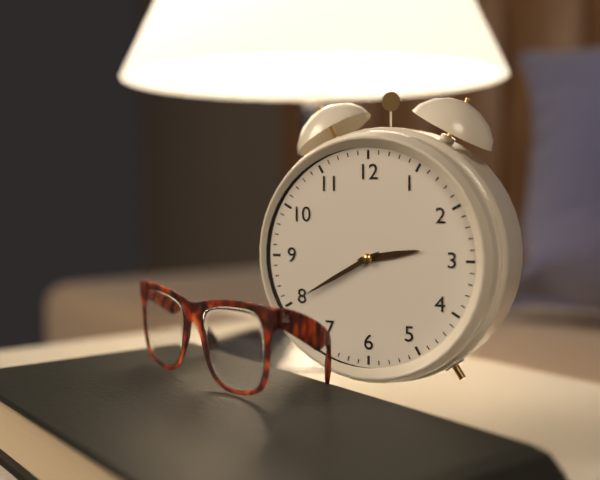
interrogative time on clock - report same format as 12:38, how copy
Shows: 2:40
